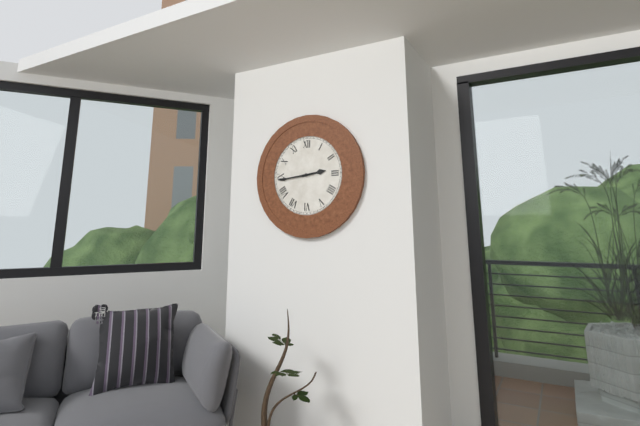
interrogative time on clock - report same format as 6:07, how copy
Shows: 2:44
